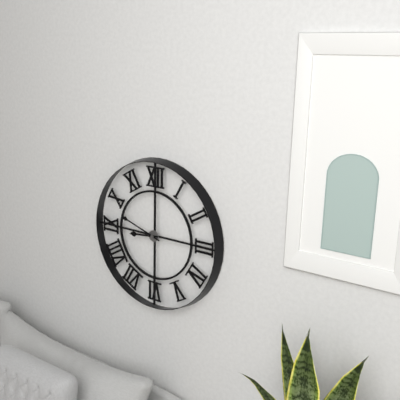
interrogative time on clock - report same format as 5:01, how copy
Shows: 8:48
